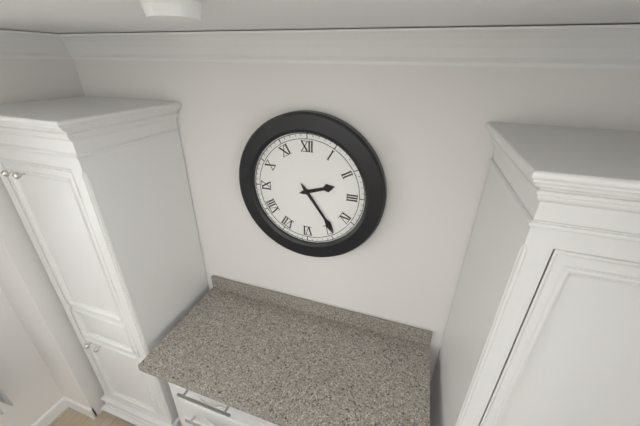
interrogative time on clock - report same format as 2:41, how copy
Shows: 2:24
